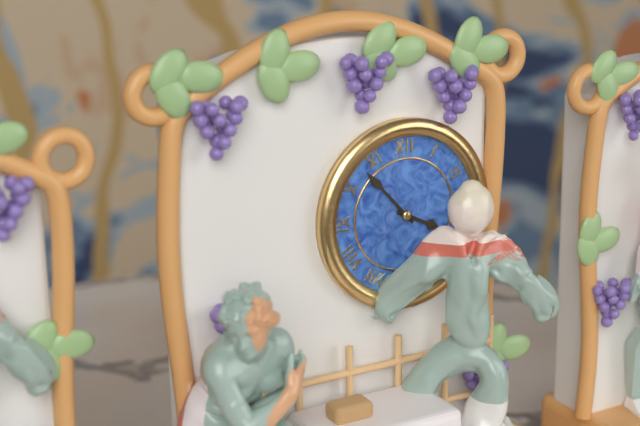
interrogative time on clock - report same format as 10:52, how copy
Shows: 3:53
